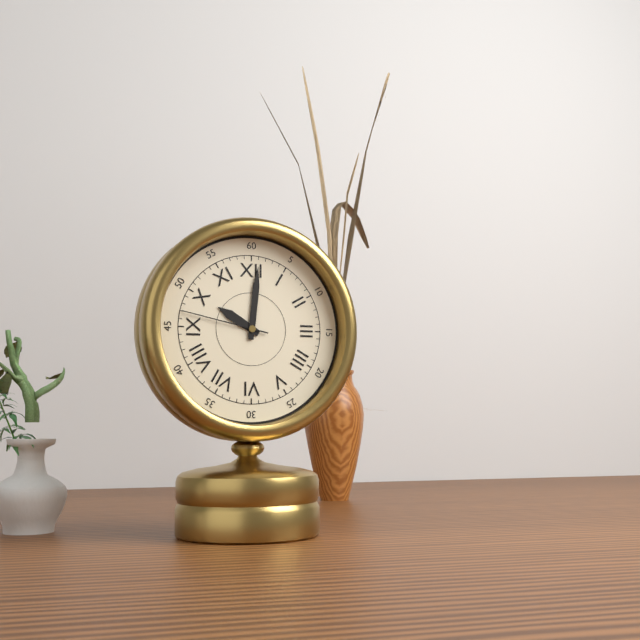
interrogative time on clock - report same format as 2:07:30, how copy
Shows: 10:01:47
